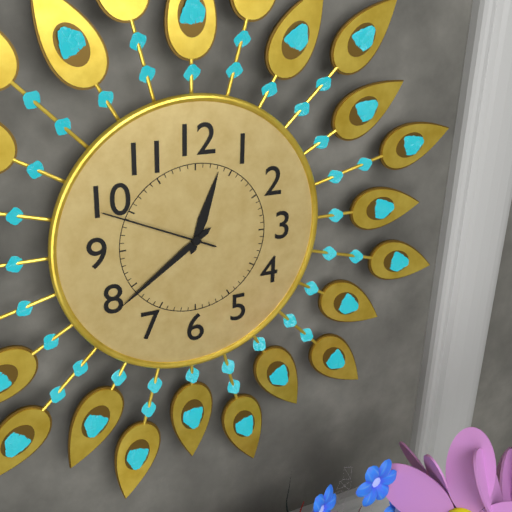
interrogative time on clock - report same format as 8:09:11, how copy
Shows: 12:39:49
